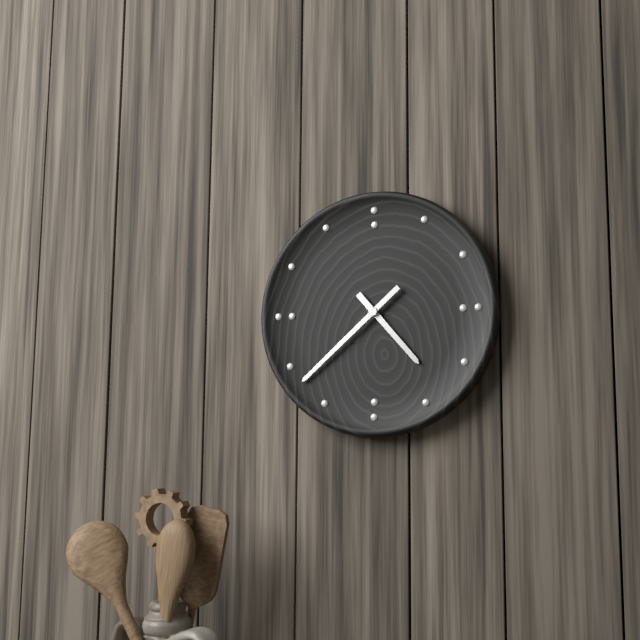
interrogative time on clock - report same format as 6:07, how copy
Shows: 4:38
